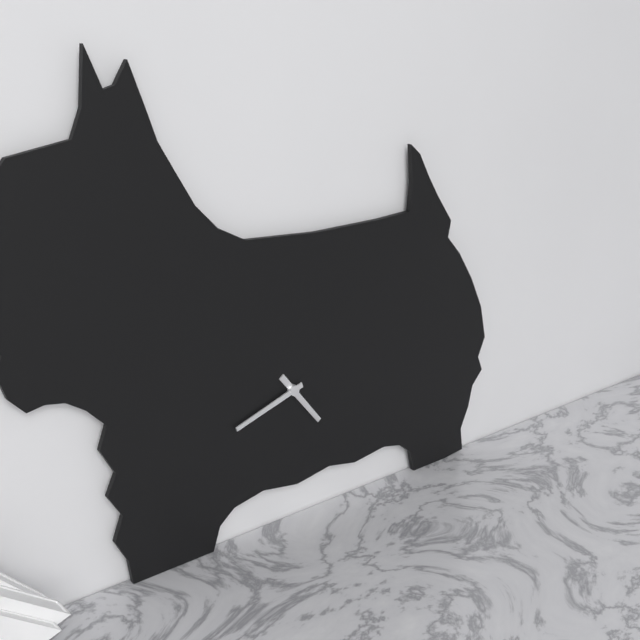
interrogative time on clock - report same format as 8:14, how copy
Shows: 4:42
